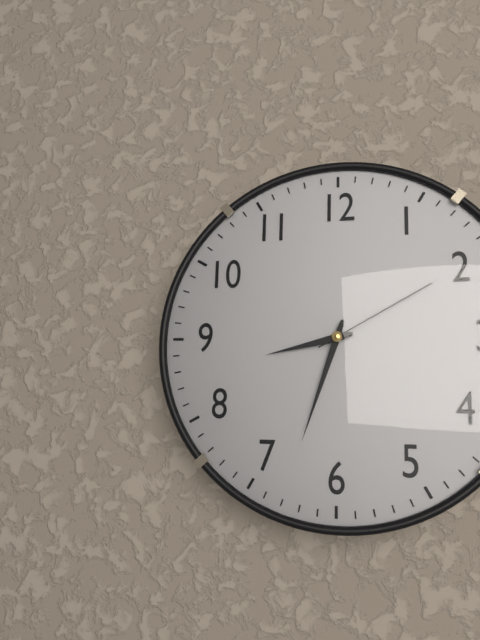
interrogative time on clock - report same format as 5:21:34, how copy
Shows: 8:33:10
